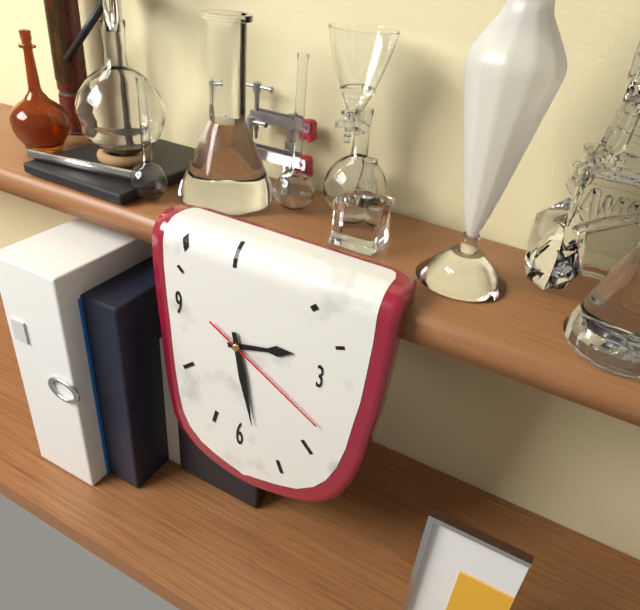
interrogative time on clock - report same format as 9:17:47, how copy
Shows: 2:28:20
